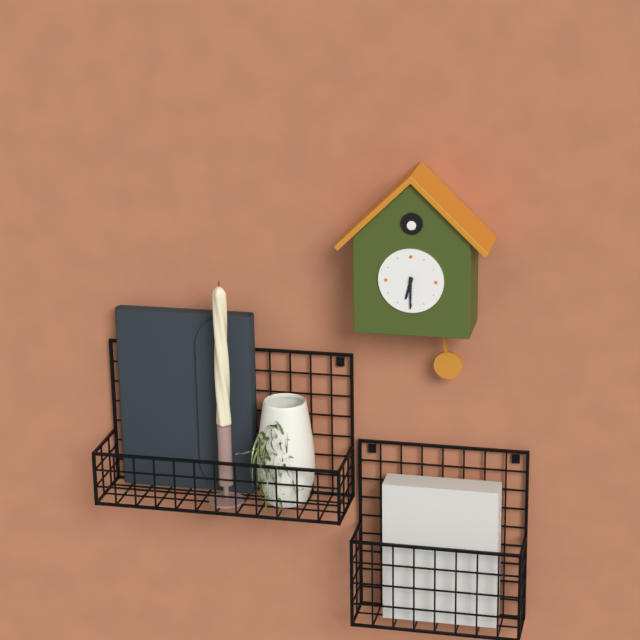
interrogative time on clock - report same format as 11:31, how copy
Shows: 6:30
